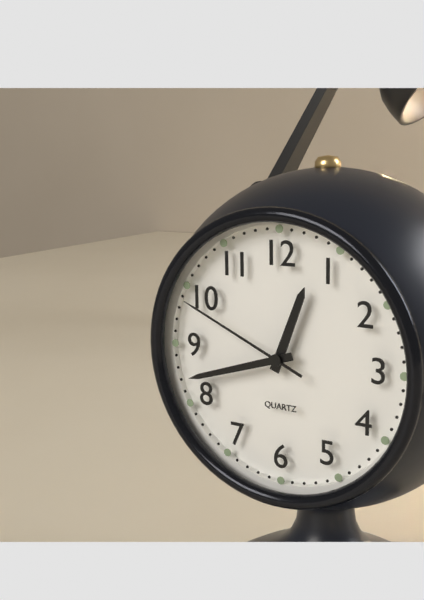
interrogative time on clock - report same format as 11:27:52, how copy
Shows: 12:42:49
